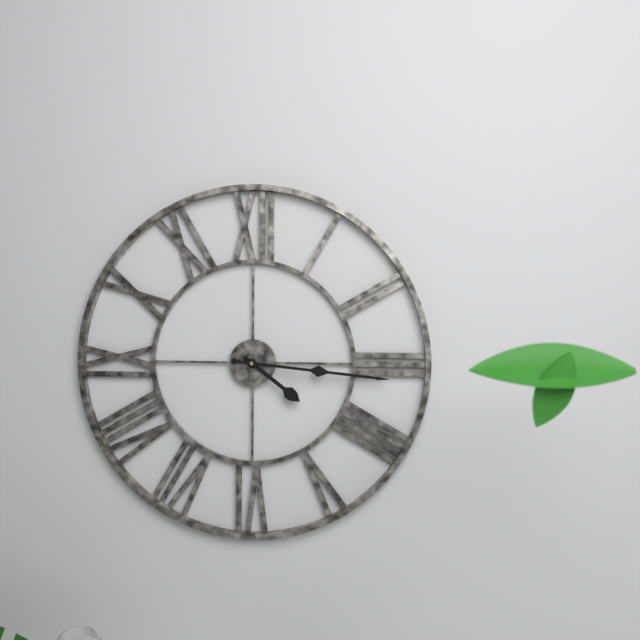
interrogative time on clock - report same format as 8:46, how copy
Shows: 4:16
